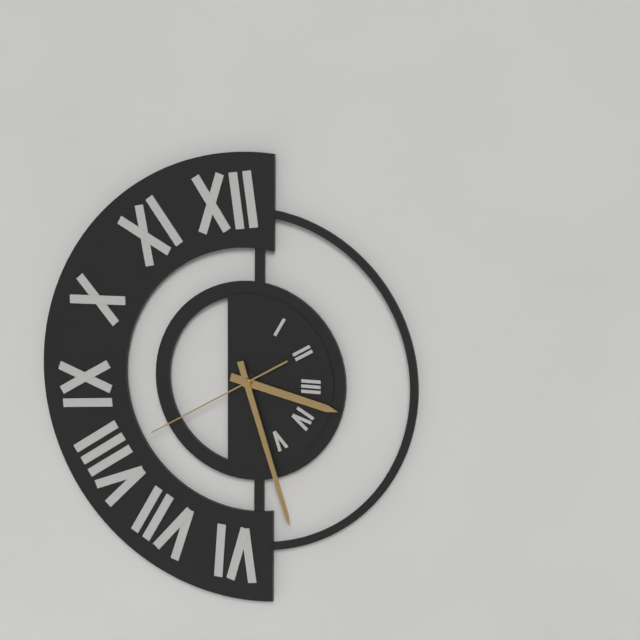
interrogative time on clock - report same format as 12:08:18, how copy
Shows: 3:27:40
